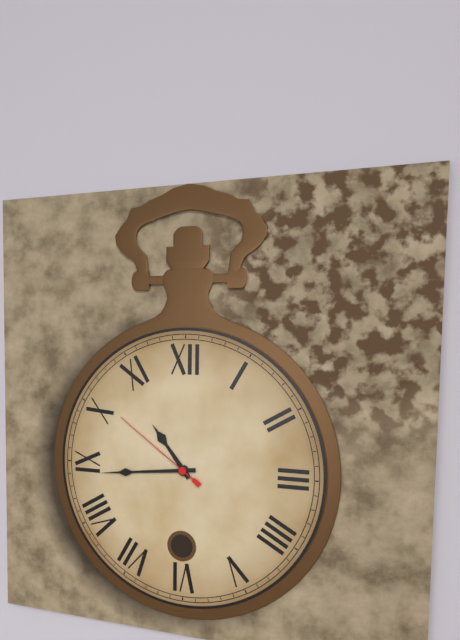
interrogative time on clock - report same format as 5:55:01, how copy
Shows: 10:44:51
